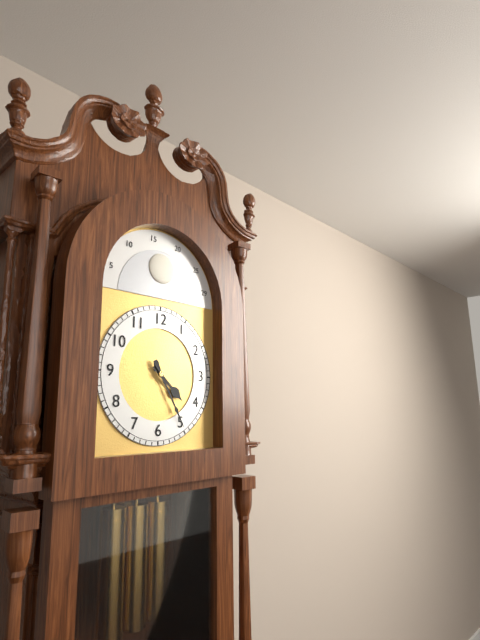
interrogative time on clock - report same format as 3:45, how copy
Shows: 4:25
